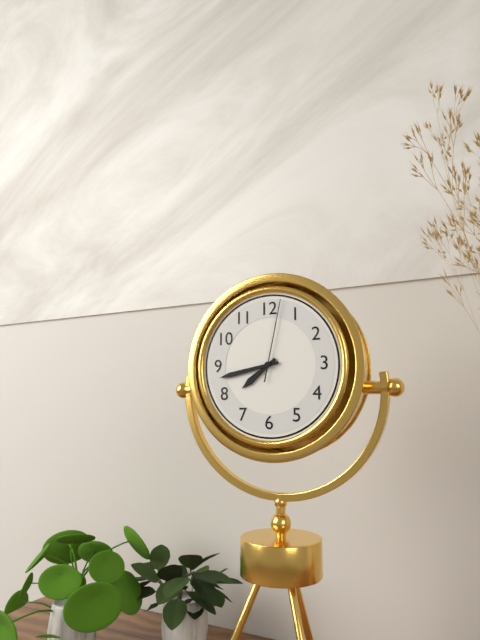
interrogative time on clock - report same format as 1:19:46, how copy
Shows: 7:43:02
